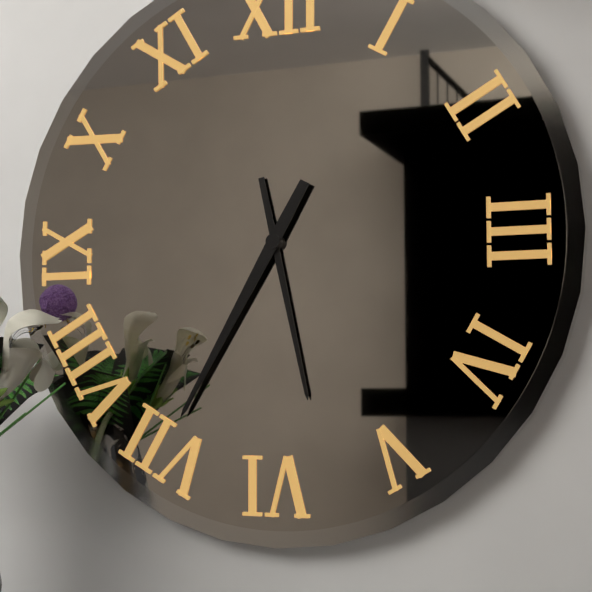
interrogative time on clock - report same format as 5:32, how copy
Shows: 5:35
